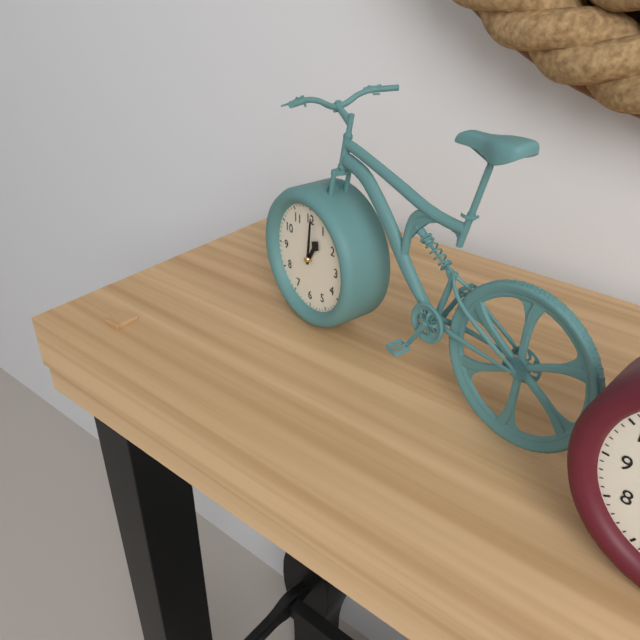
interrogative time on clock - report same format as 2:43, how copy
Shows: 1:01
